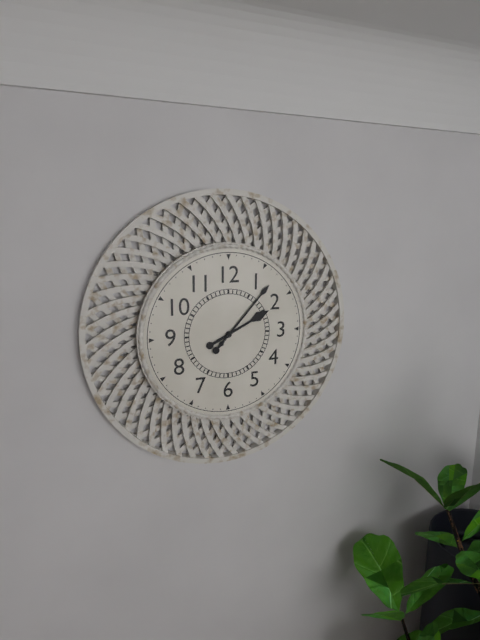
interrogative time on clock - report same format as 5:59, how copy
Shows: 2:07
